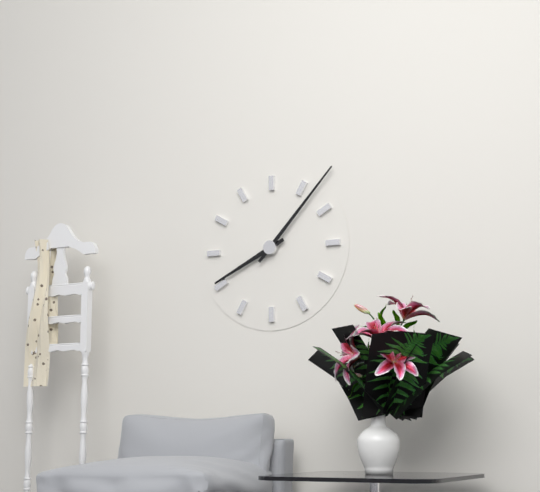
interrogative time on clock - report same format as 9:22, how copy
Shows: 8:07
